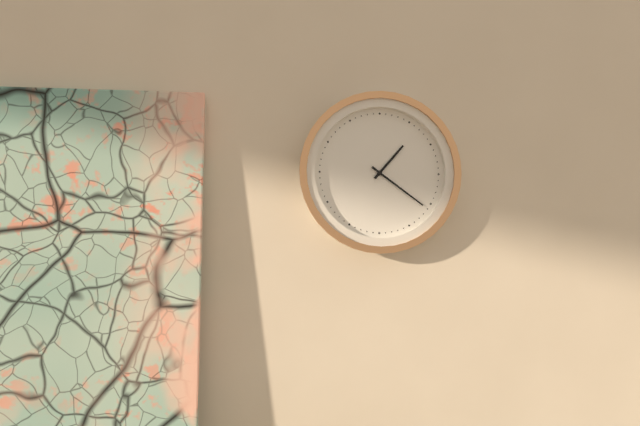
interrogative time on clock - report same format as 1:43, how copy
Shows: 1:21
